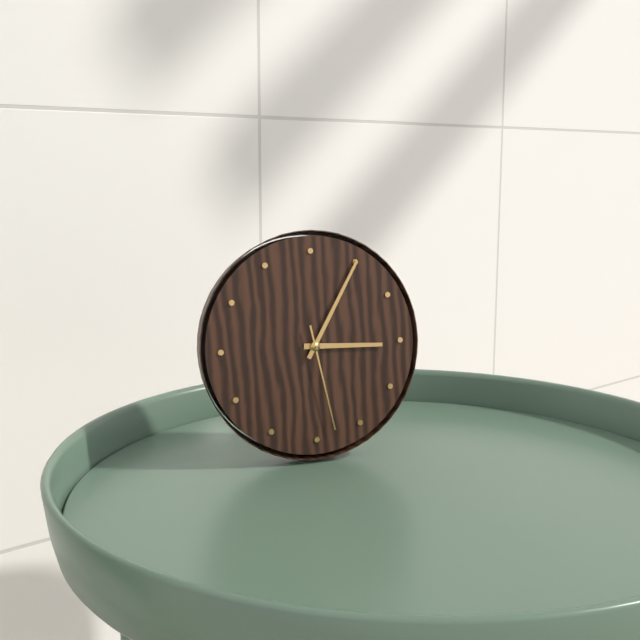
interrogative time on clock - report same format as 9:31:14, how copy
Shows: 3:05:28
